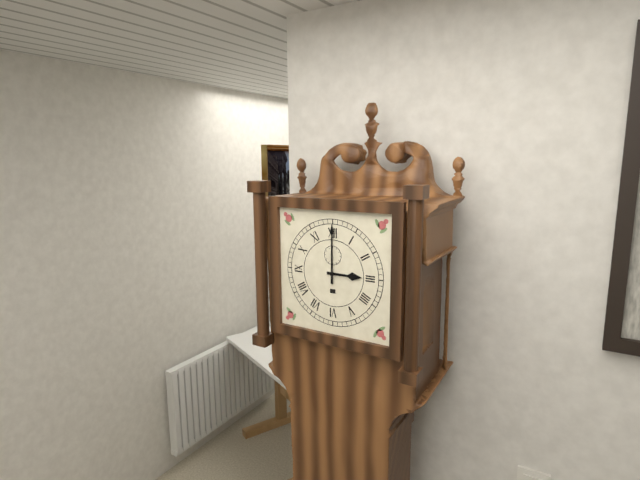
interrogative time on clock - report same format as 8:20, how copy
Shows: 3:00
